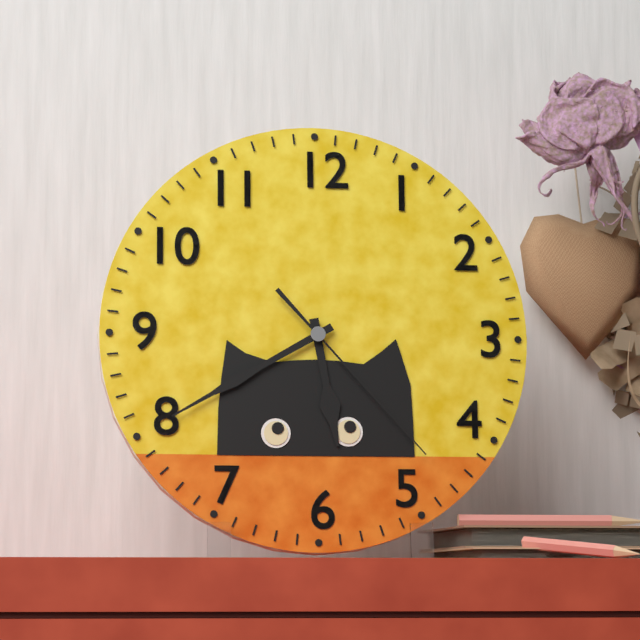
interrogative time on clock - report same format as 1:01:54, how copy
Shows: 5:40:23
